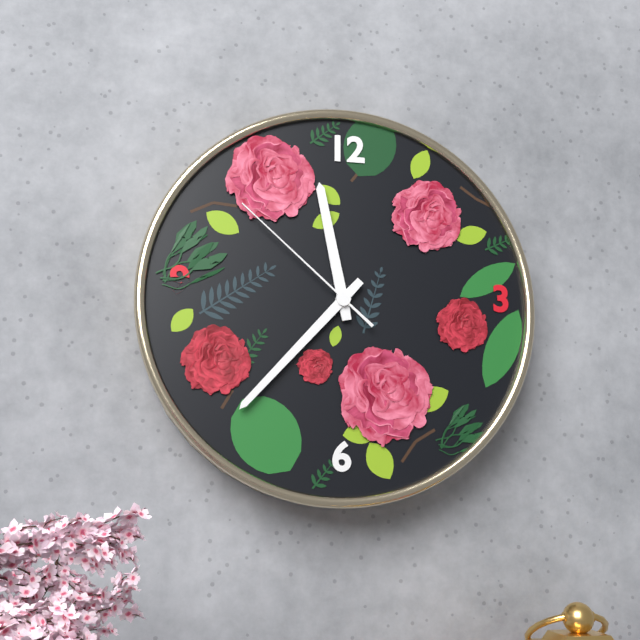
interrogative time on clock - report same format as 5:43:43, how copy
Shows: 11:37:52
